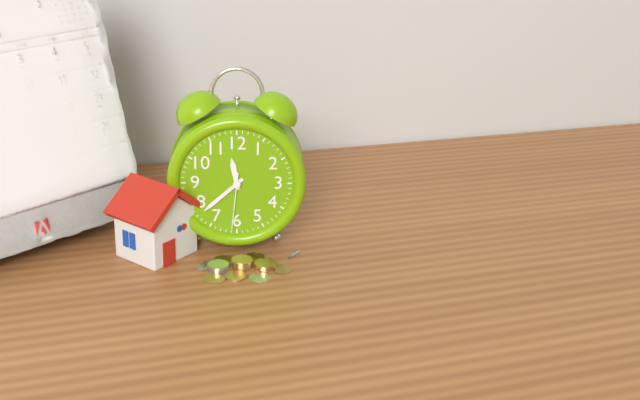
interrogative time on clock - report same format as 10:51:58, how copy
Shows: 11:38:31
